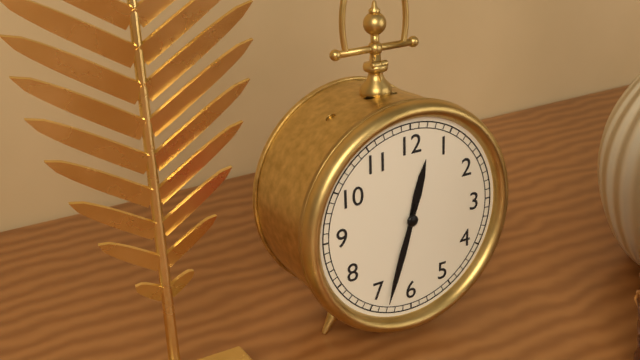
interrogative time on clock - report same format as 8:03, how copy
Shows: 12:33
